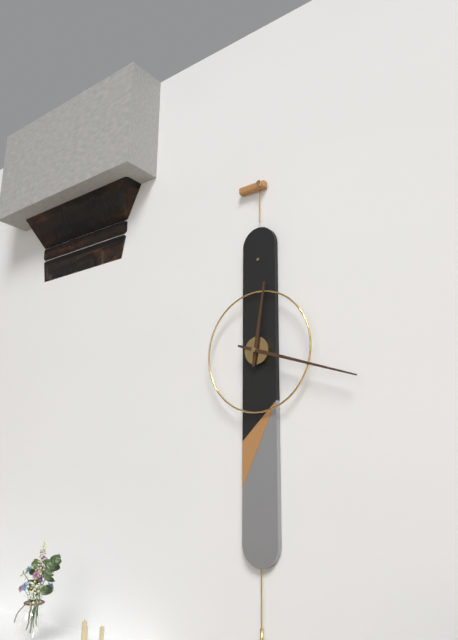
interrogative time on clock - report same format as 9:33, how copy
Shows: 12:18
